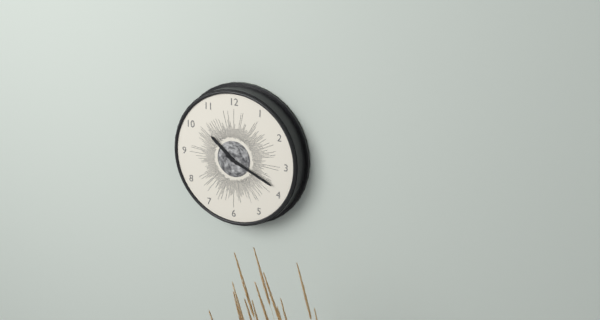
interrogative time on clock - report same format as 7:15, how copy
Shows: 10:19
